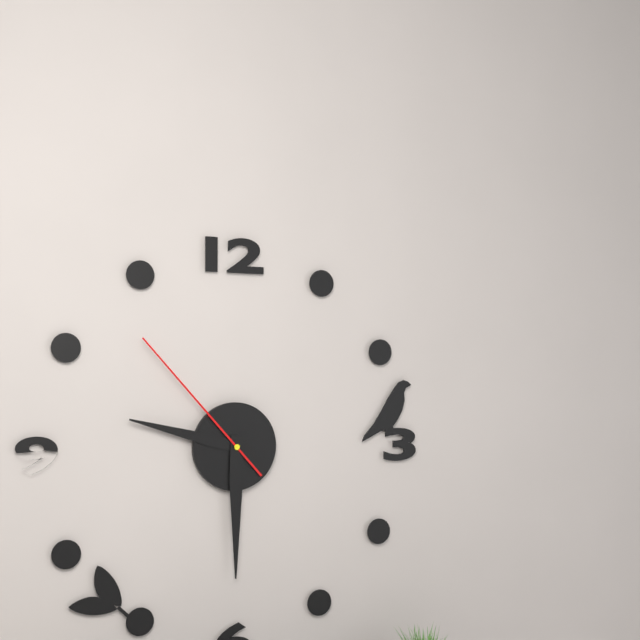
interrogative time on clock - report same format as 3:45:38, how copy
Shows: 9:30:53
